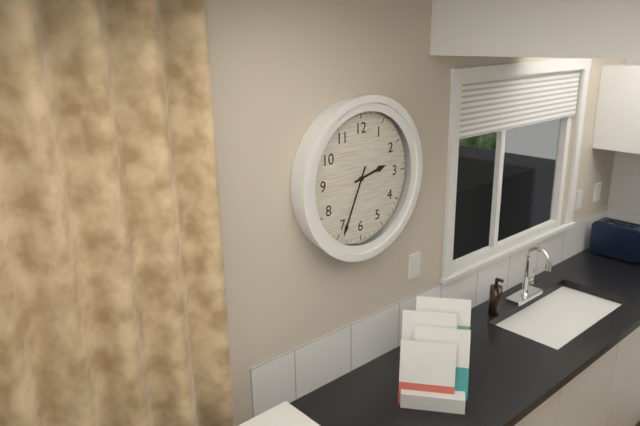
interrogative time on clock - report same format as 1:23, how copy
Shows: 2:34
